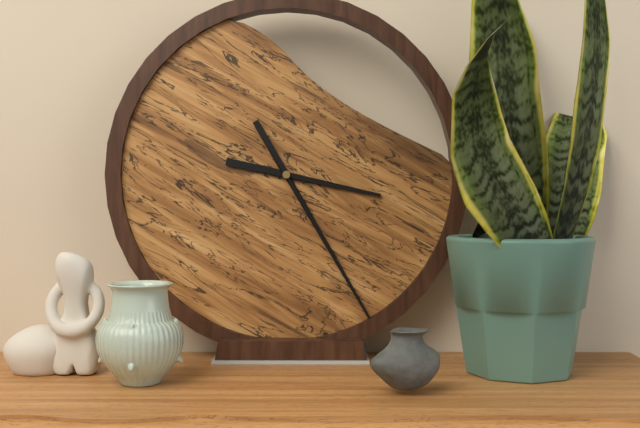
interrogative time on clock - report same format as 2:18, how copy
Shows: 3:25
